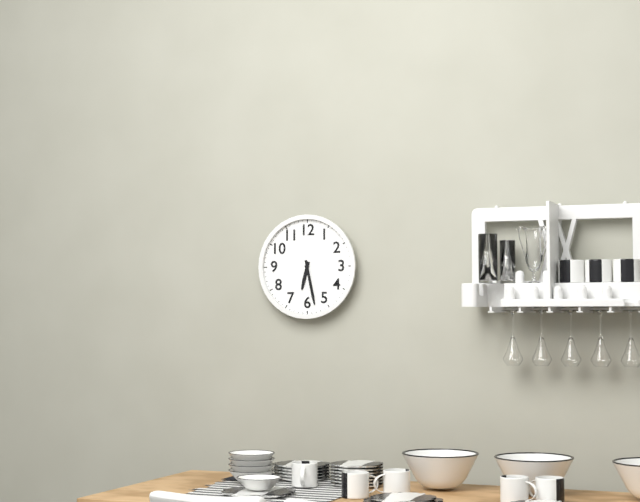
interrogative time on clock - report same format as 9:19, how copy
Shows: 6:28
